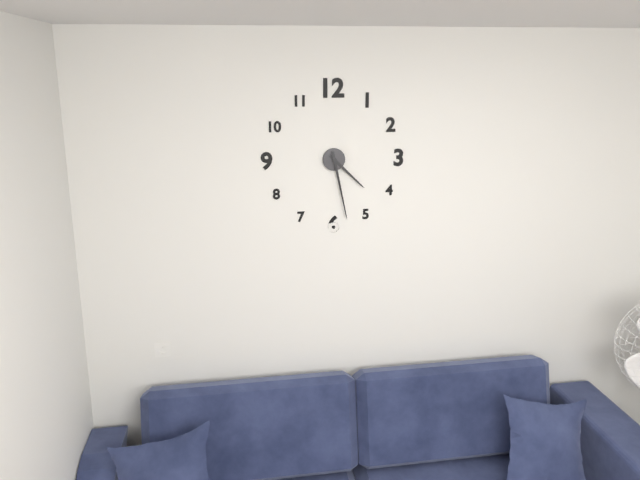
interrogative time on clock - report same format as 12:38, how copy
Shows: 4:28
